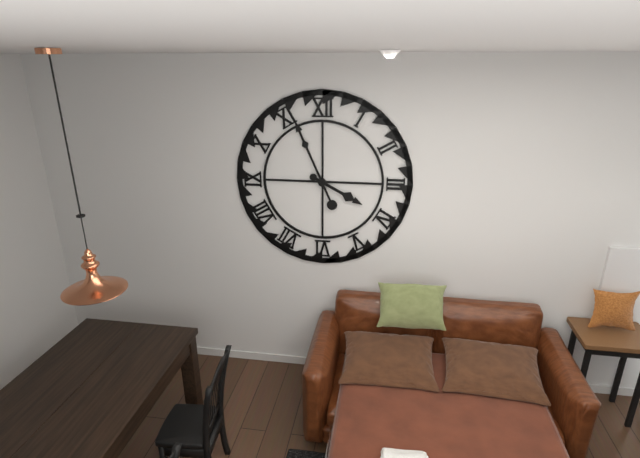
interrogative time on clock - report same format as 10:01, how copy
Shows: 3:56
